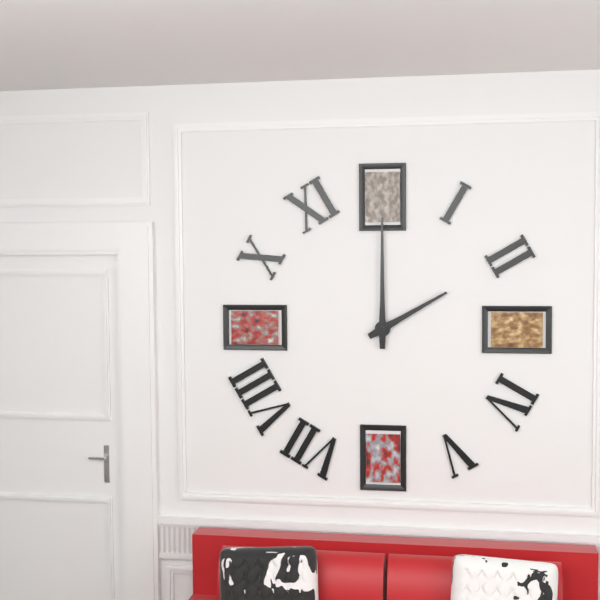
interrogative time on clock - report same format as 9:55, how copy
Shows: 2:00
